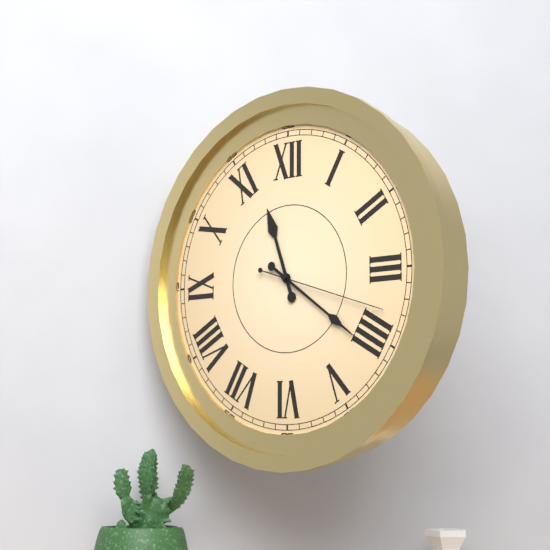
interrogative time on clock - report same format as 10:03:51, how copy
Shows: 11:21:18
